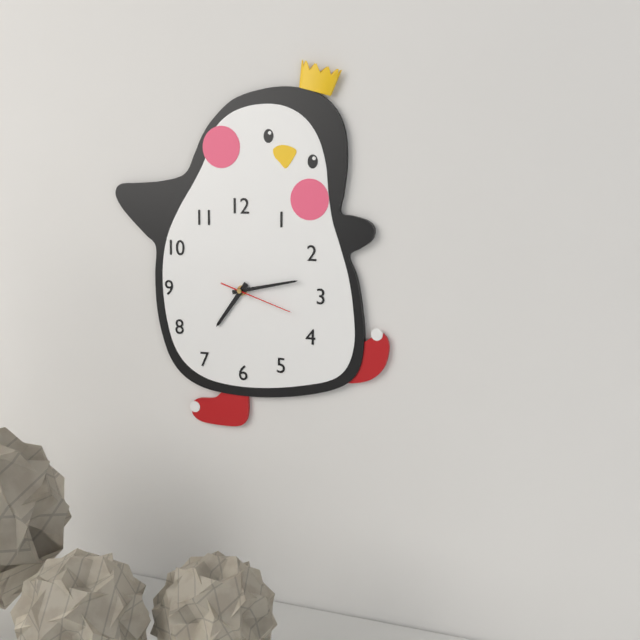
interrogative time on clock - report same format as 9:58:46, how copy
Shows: 7:13:18
